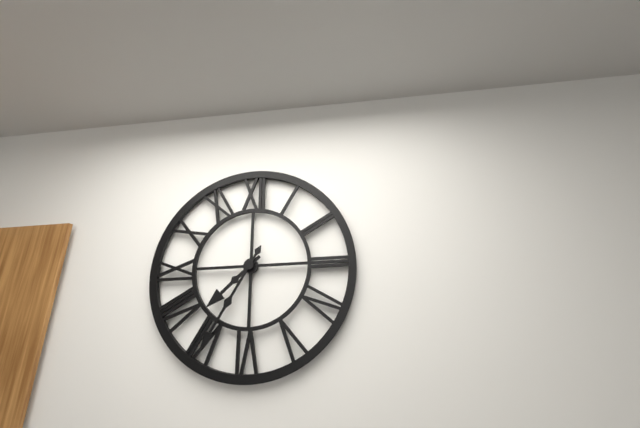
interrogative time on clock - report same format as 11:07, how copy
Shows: 7:35
